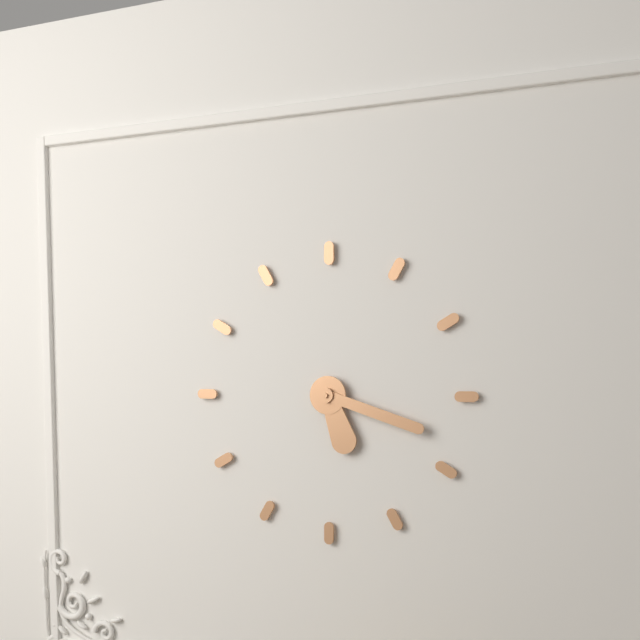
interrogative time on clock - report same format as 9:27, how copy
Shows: 5:18
